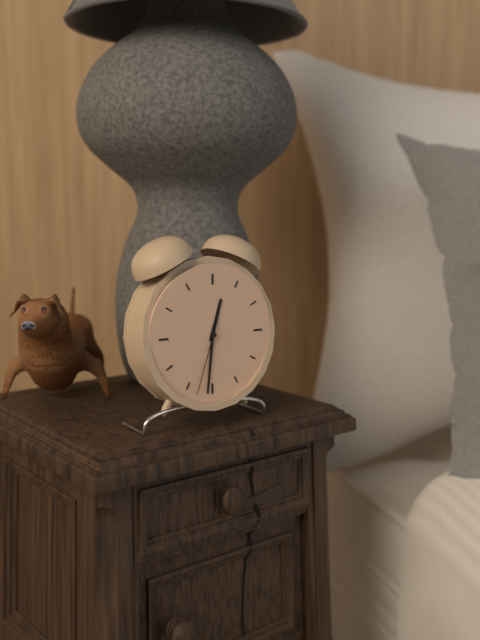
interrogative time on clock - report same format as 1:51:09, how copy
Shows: 12:31:33
